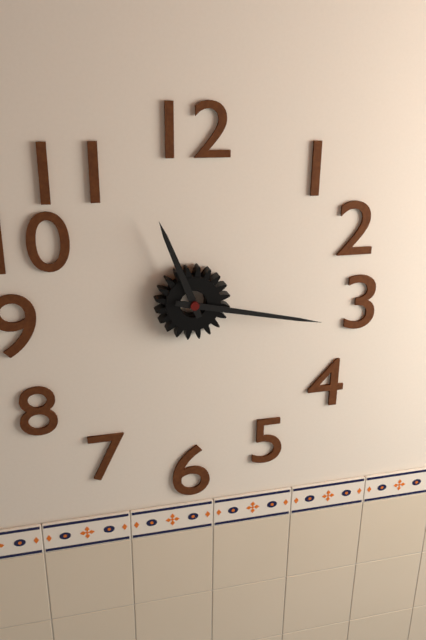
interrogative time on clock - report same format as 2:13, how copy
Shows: 11:17
